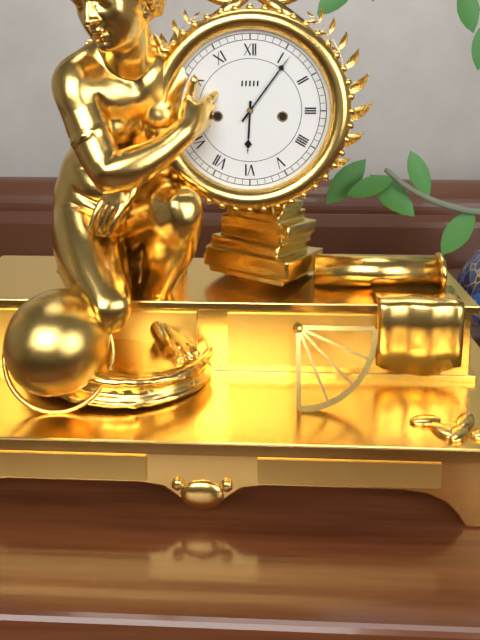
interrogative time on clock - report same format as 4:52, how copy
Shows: 6:06
